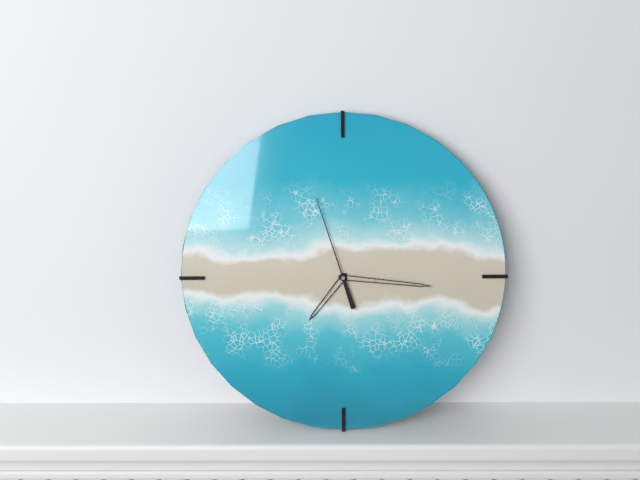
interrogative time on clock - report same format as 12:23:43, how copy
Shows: 7:16:57
